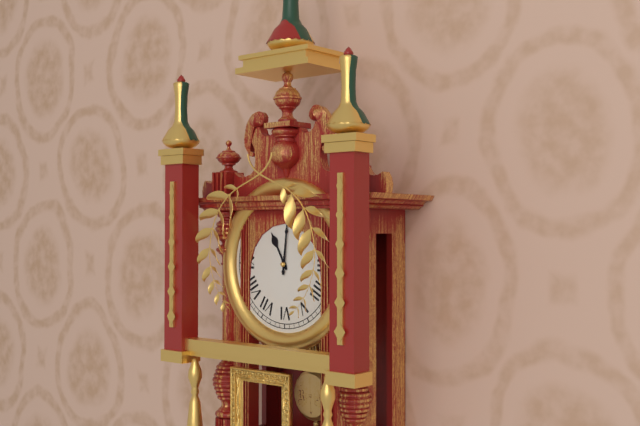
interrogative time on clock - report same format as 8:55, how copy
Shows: 11:01
